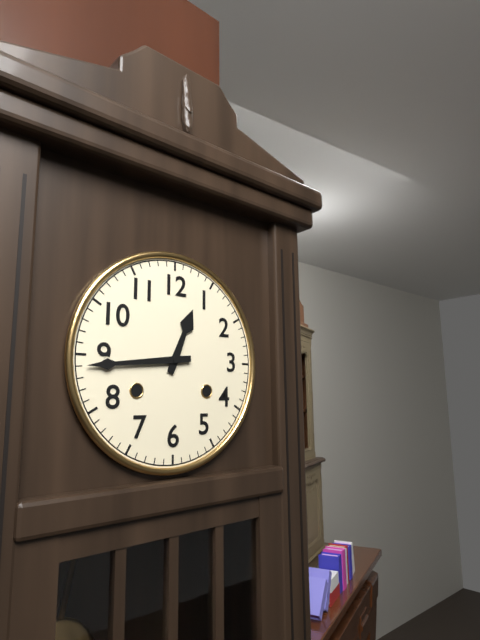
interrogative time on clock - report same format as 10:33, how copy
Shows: 12:44
